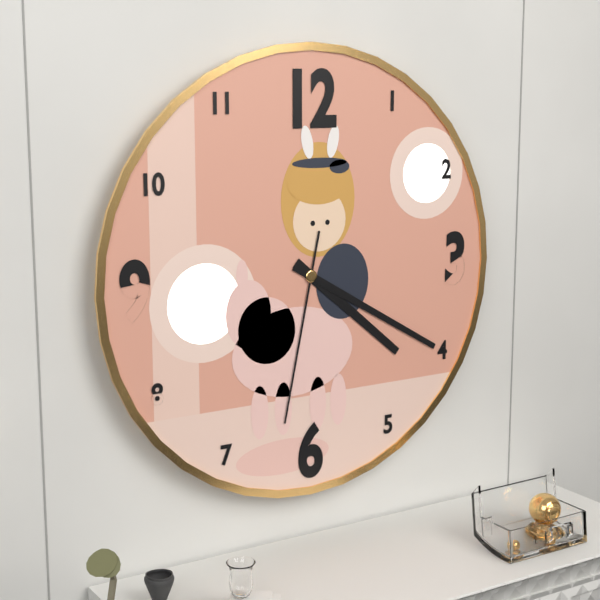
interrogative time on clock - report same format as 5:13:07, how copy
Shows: 4:20:32
